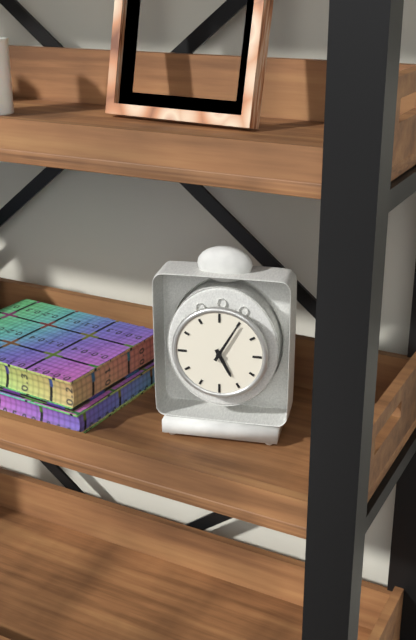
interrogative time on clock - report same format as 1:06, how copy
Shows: 5:05
